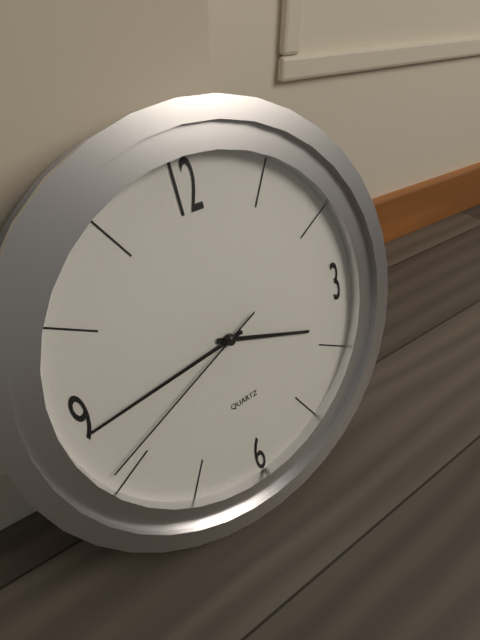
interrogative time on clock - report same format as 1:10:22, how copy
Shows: 3:44:41
